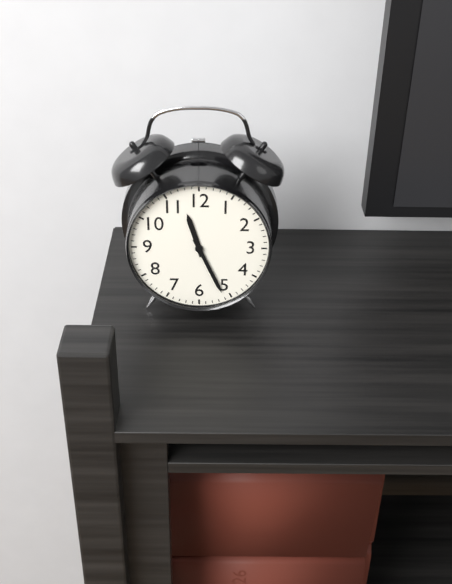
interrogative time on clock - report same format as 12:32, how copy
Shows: 11:26
